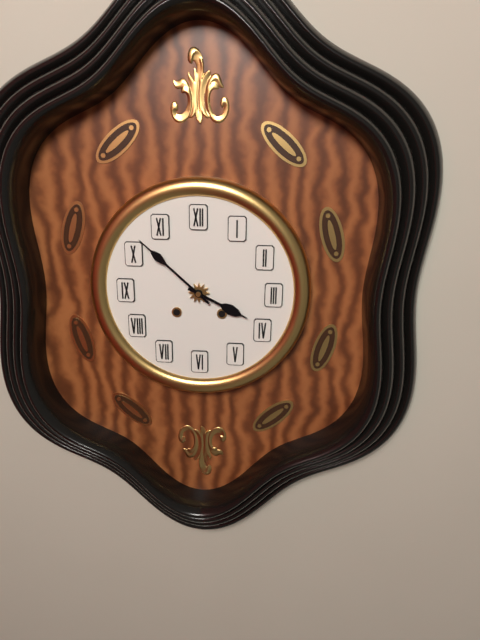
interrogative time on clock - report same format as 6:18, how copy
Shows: 3:52
